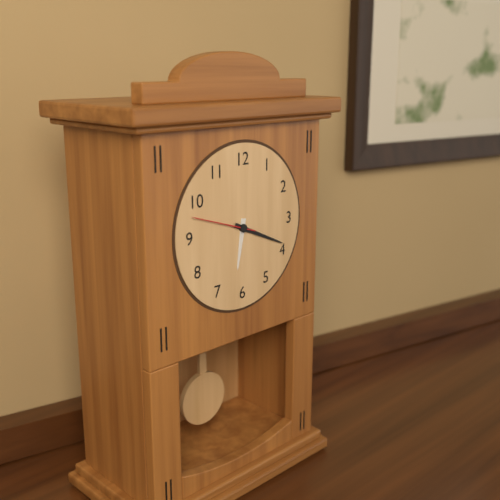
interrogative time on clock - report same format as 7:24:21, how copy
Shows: 6:19:48
